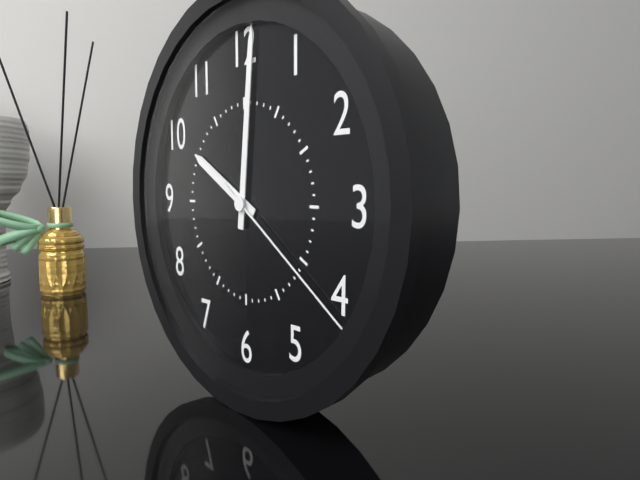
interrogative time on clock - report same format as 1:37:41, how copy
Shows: 10:01:21
